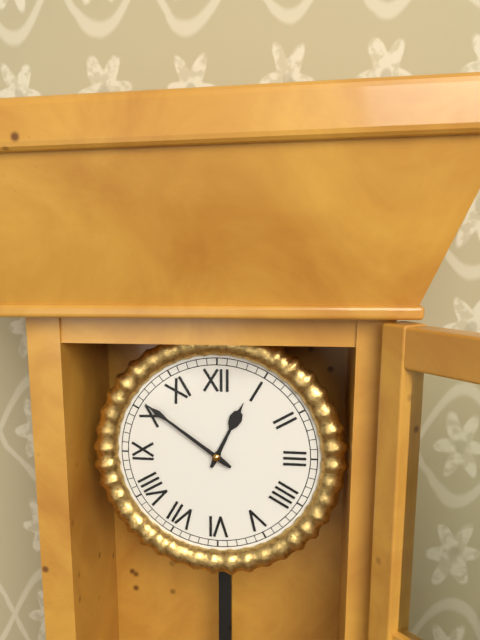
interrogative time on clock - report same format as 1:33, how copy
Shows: 12:51
